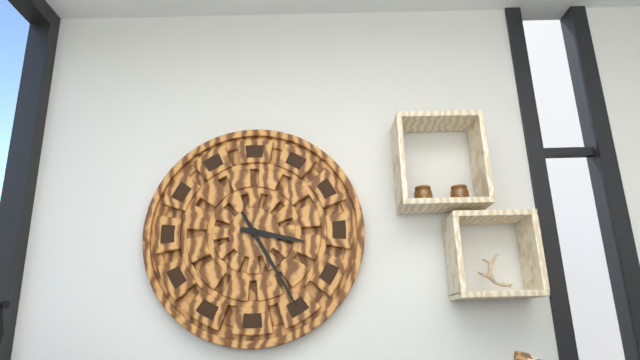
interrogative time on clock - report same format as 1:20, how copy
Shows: 3:25
